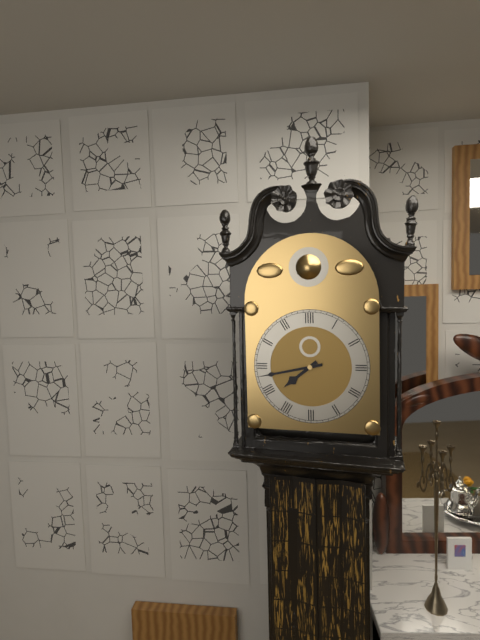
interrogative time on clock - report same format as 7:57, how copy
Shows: 7:43
